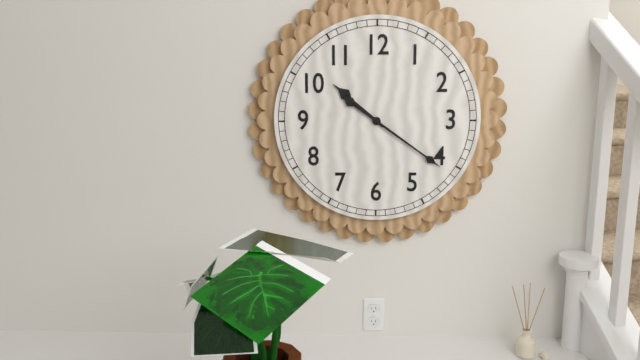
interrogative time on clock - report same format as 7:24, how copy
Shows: 10:21
